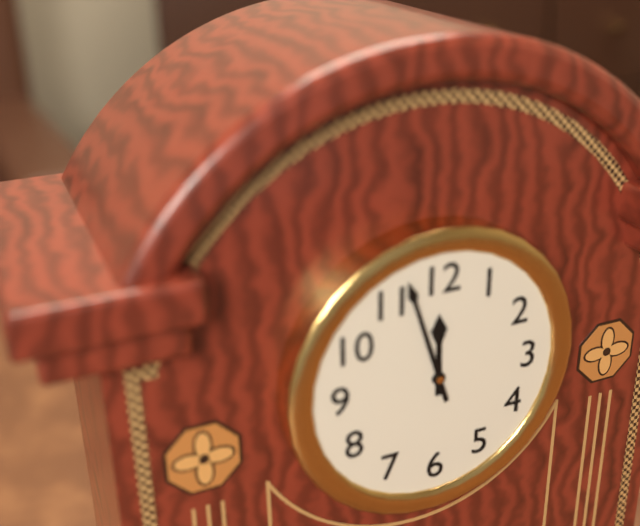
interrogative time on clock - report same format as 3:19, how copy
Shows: 11:57
